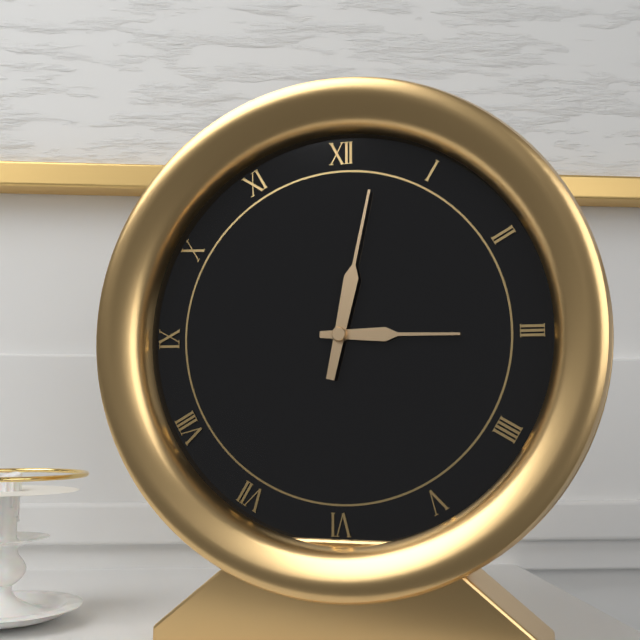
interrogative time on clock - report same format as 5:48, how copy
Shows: 3:02
